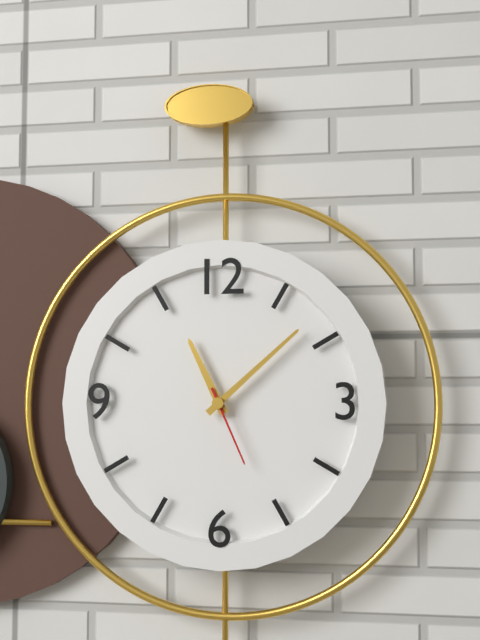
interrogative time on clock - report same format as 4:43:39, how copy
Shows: 11:08:26
